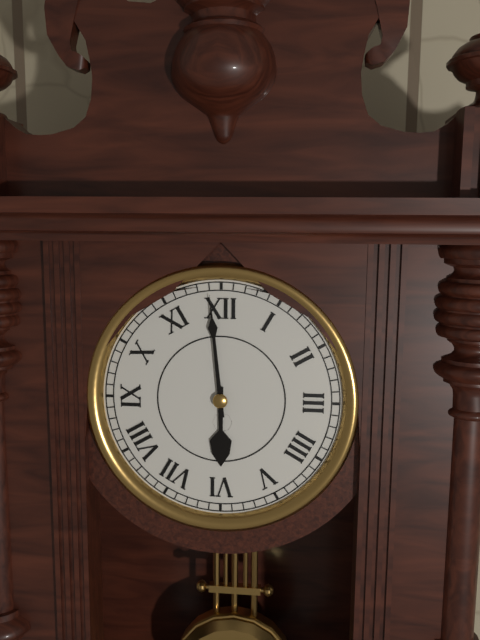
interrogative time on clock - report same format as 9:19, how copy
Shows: 5:59
